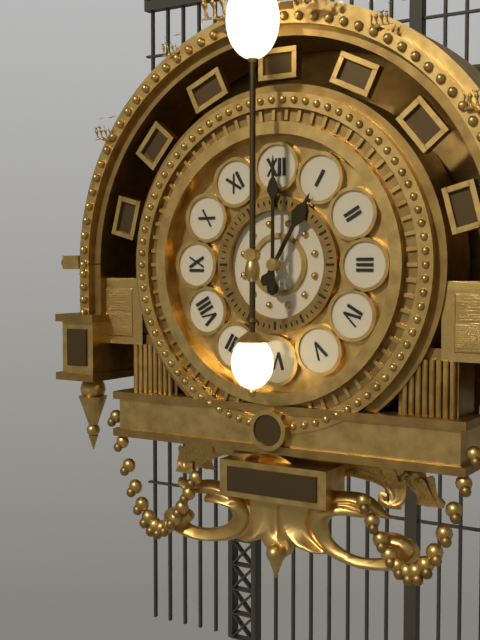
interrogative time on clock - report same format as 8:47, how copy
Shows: 1:00
